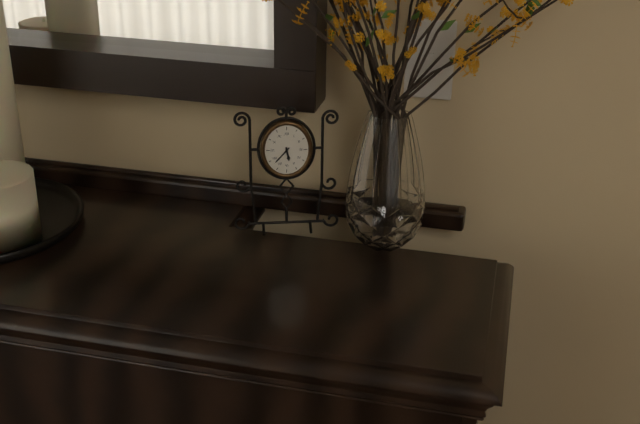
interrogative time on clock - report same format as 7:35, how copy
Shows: 5:37
